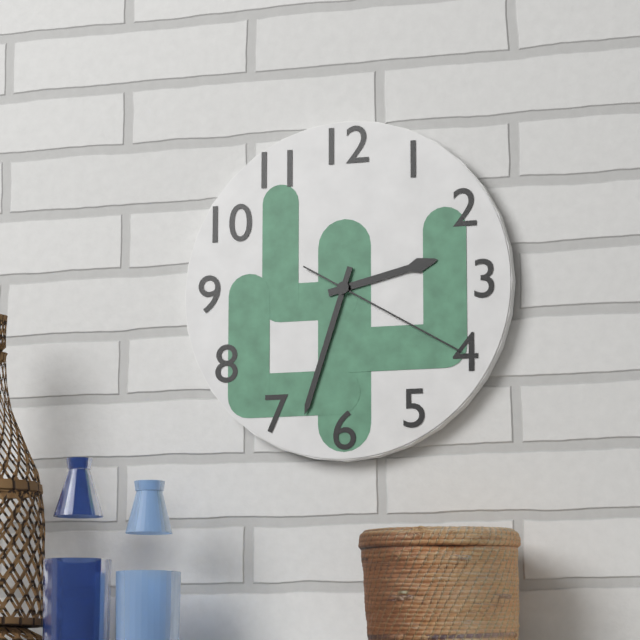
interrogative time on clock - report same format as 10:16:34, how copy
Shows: 2:33:20
